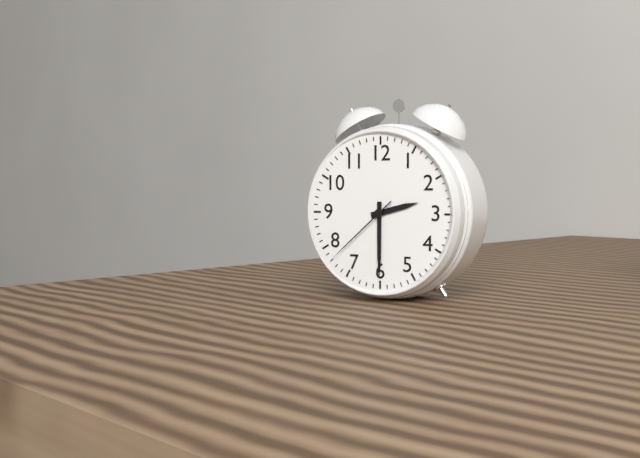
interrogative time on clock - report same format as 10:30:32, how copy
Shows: 2:30:38
